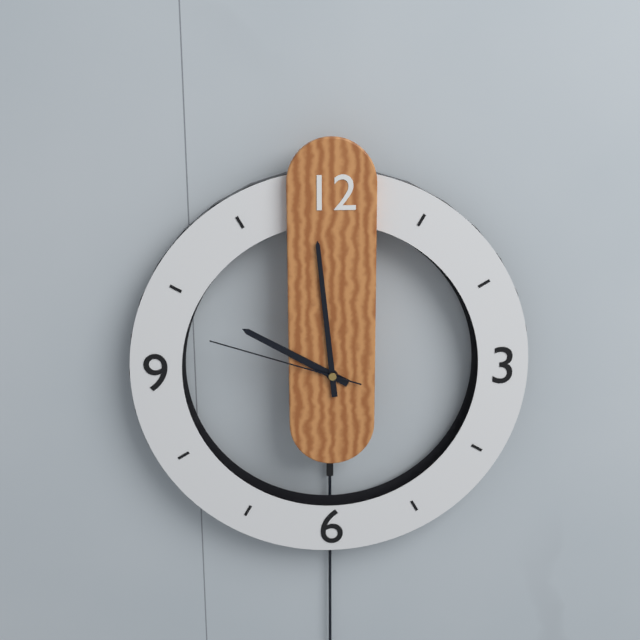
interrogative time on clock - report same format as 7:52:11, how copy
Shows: 9:59:48
